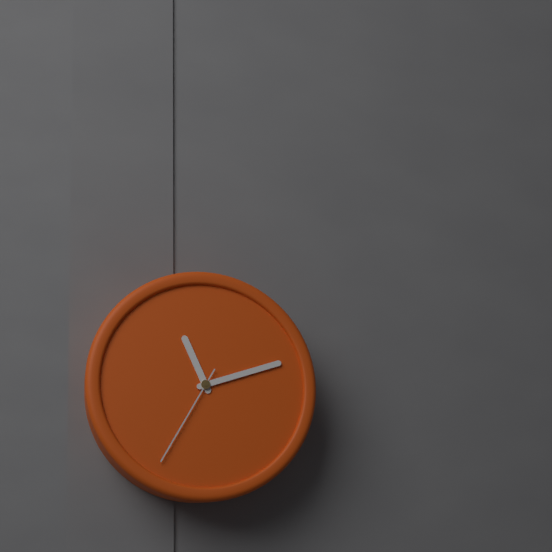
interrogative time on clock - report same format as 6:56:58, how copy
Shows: 11:12:35
